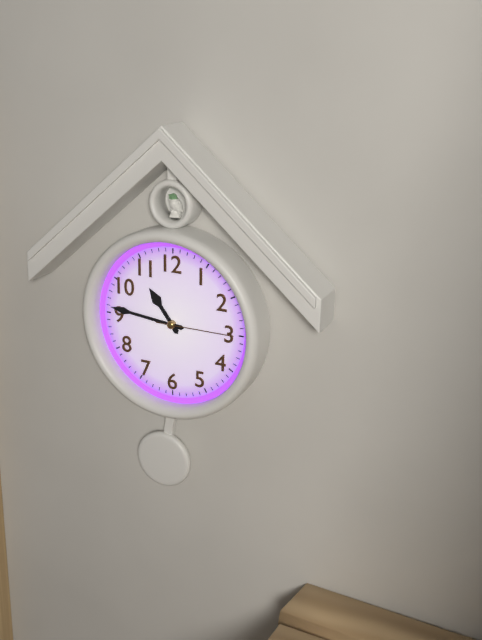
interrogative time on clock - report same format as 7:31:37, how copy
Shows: 10:46:15
